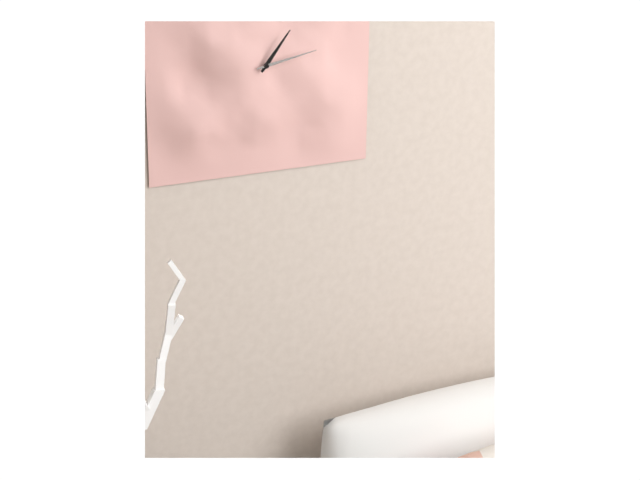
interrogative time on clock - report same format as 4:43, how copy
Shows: 1:13
